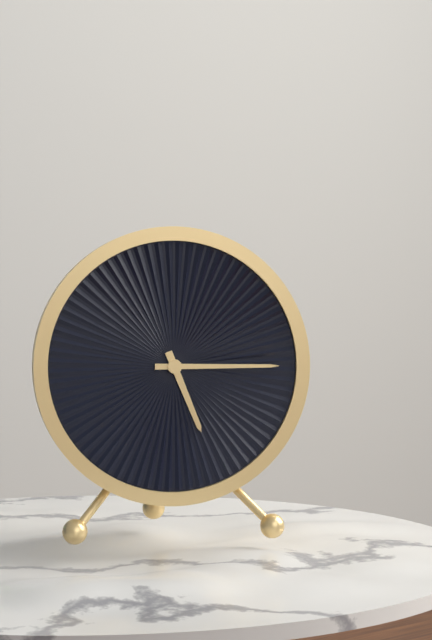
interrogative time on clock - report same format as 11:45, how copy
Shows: 5:15
